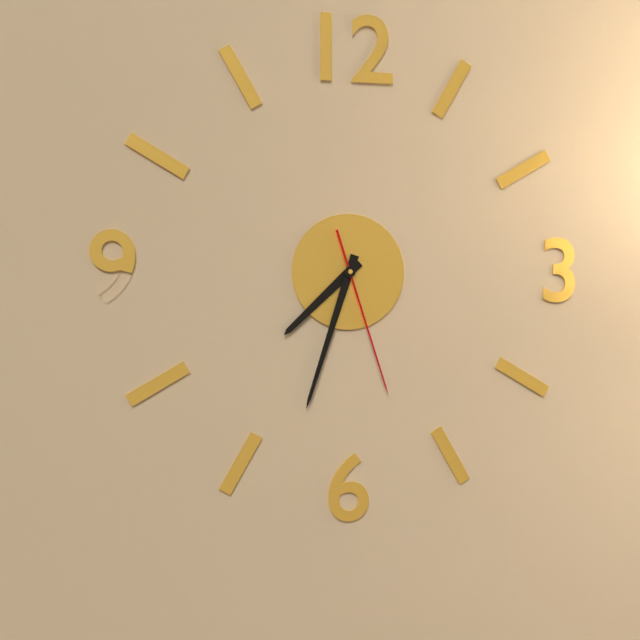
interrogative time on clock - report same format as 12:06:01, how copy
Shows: 7:33:27
